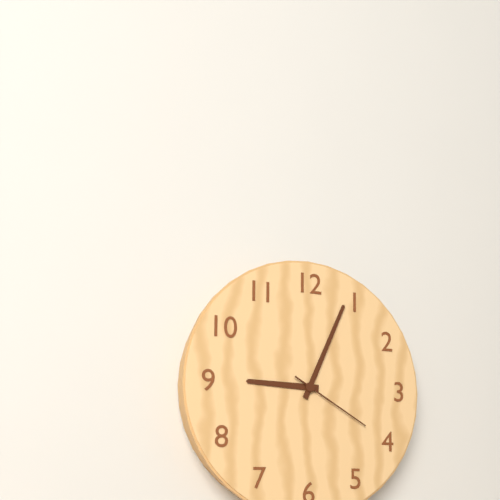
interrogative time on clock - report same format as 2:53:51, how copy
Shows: 9:04:20
